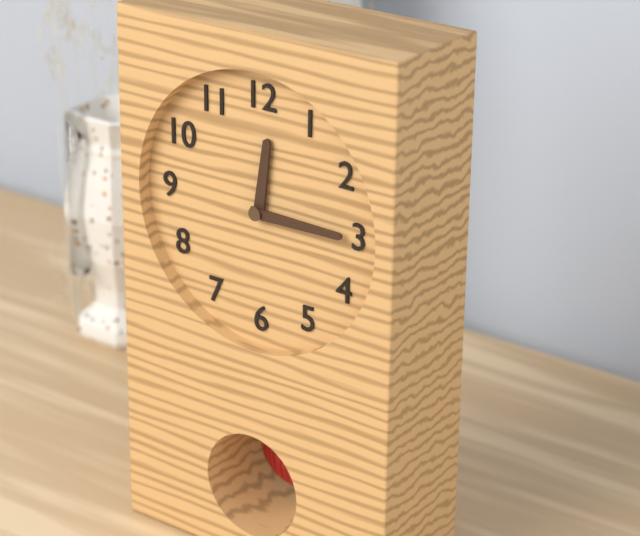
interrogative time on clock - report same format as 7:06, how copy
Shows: 12:15
